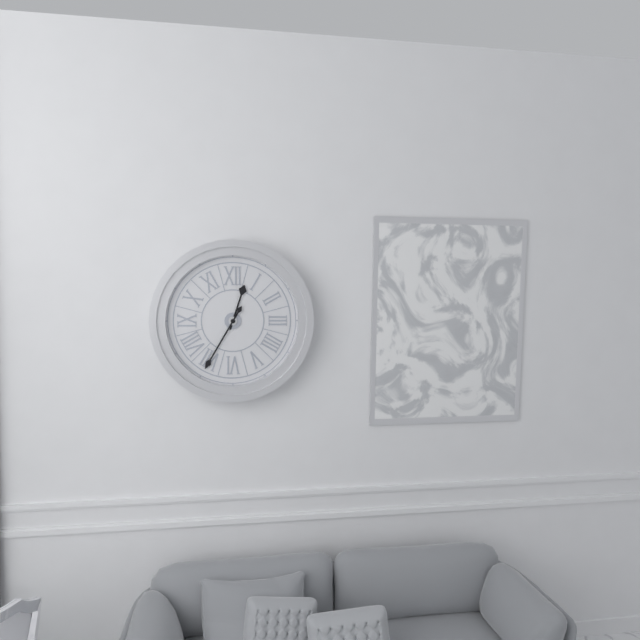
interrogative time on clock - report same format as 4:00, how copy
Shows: 12:35
